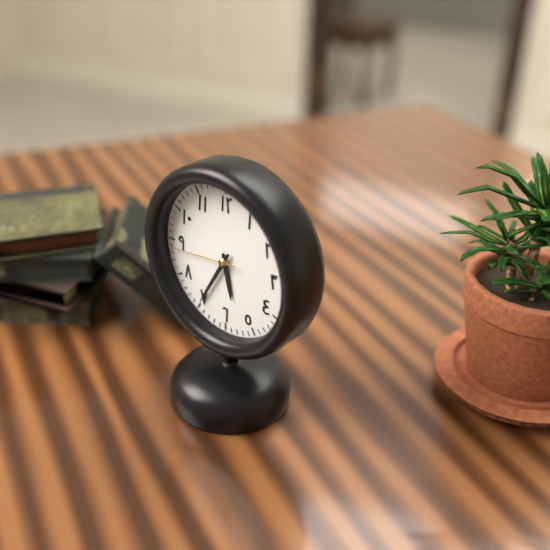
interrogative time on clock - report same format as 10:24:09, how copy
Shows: 5:35:44
